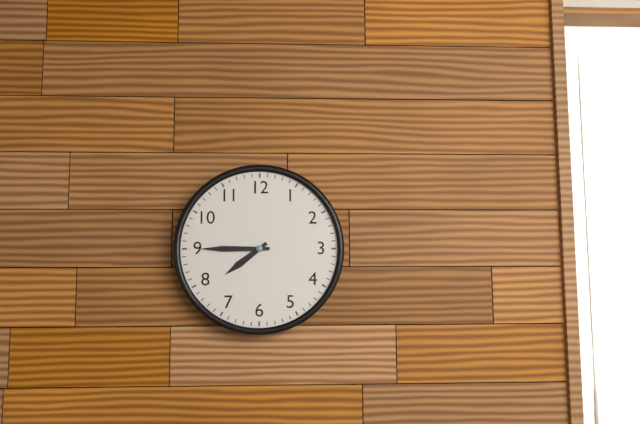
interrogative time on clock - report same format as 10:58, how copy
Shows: 7:45
